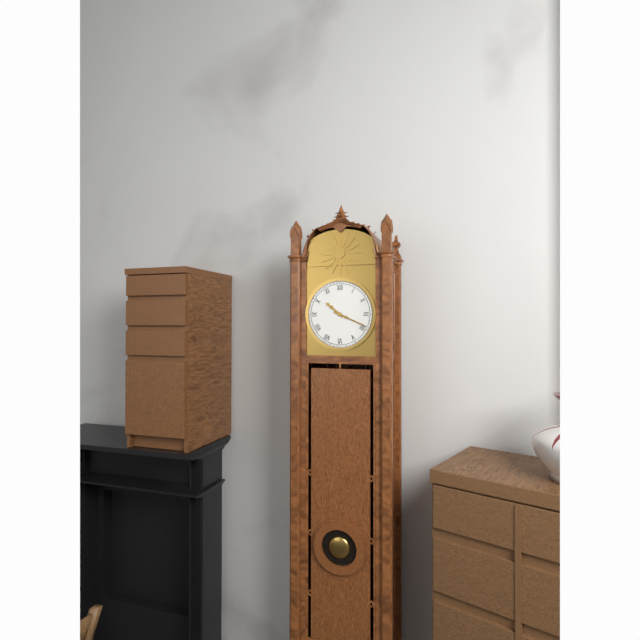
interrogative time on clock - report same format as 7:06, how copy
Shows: 10:19
